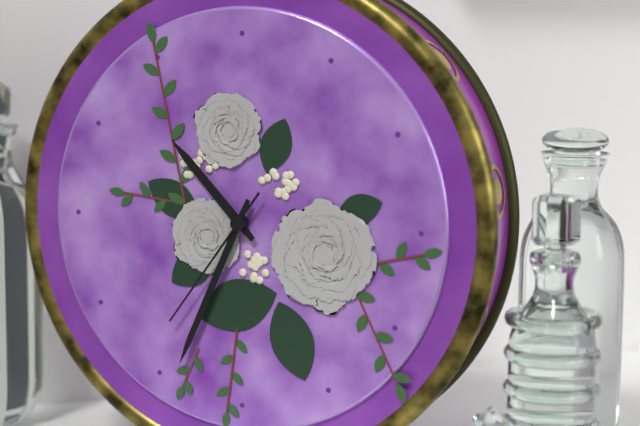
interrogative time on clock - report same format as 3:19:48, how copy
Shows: 10:34:36
